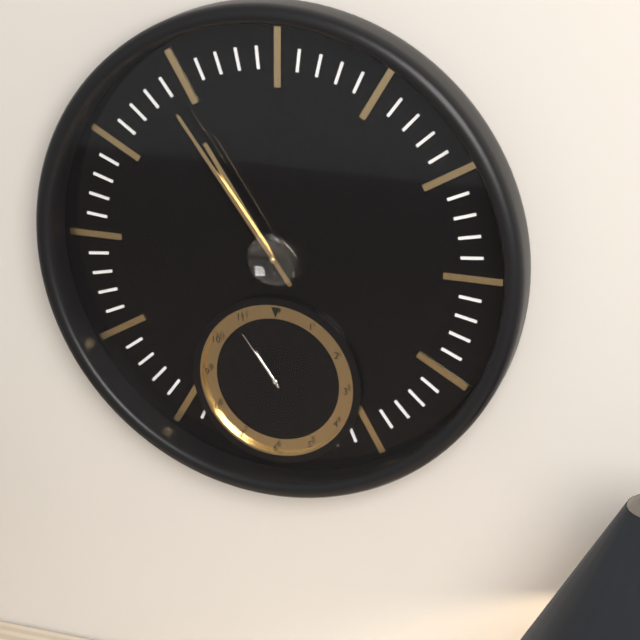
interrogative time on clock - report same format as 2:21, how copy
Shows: 10:54
